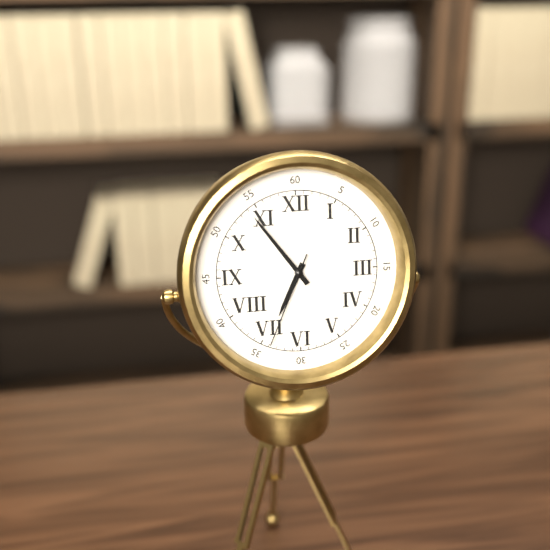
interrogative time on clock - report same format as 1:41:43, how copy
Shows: 6:54:34
